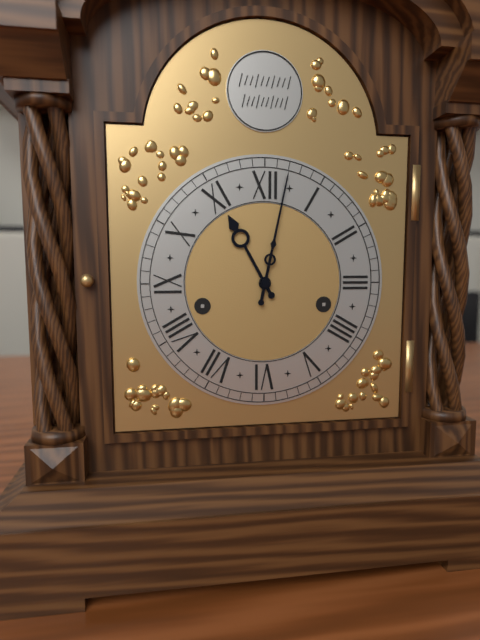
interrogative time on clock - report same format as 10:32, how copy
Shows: 11:02
